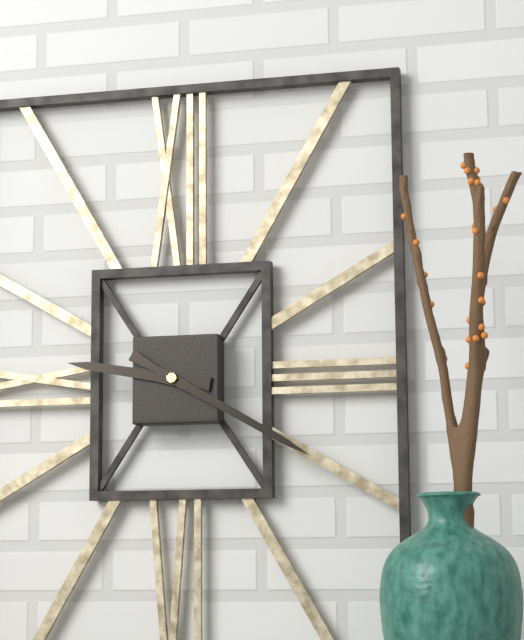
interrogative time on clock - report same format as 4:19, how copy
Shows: 9:20
